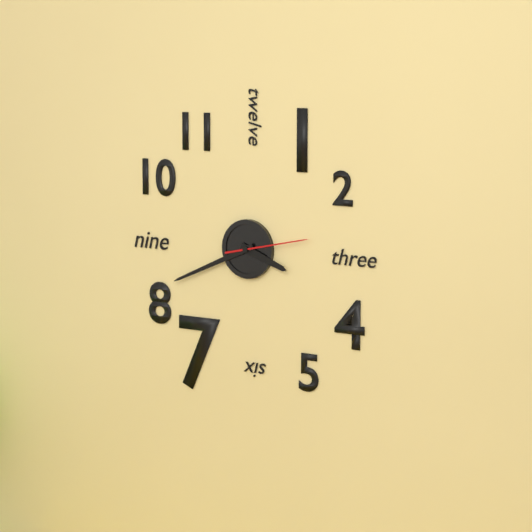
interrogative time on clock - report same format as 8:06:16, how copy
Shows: 3:41:13
